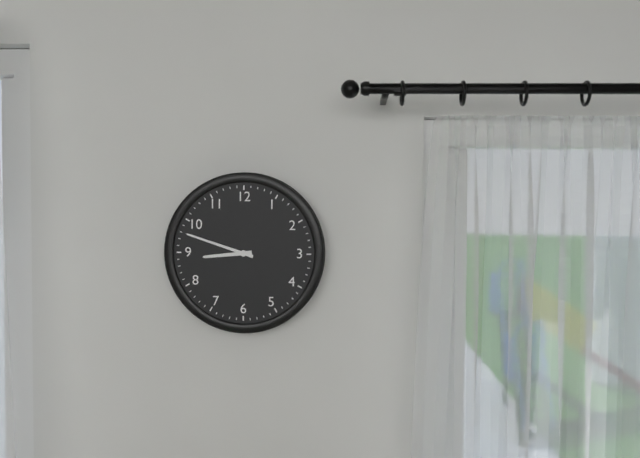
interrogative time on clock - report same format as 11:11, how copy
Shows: 8:48
